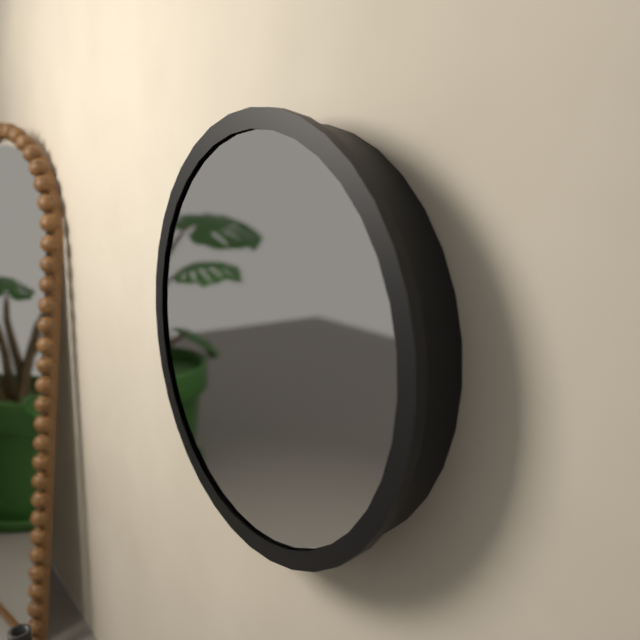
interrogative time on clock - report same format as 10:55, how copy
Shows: 7:48
